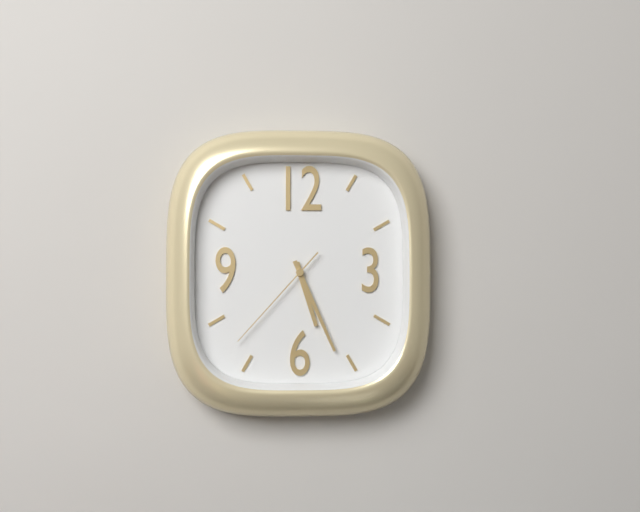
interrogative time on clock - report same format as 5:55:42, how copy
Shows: 5:26:37
